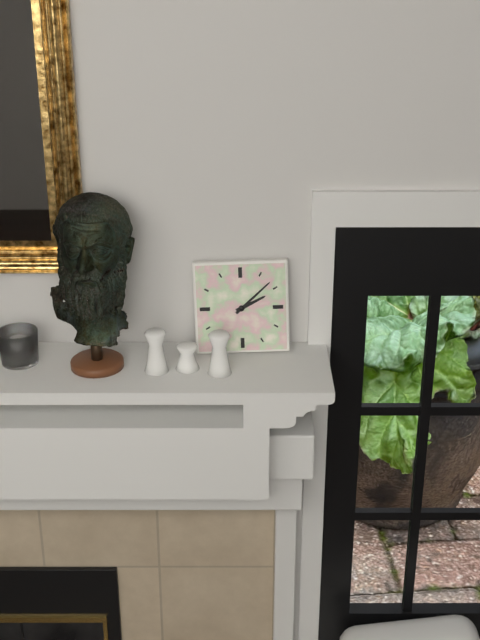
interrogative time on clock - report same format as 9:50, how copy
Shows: 2:08
